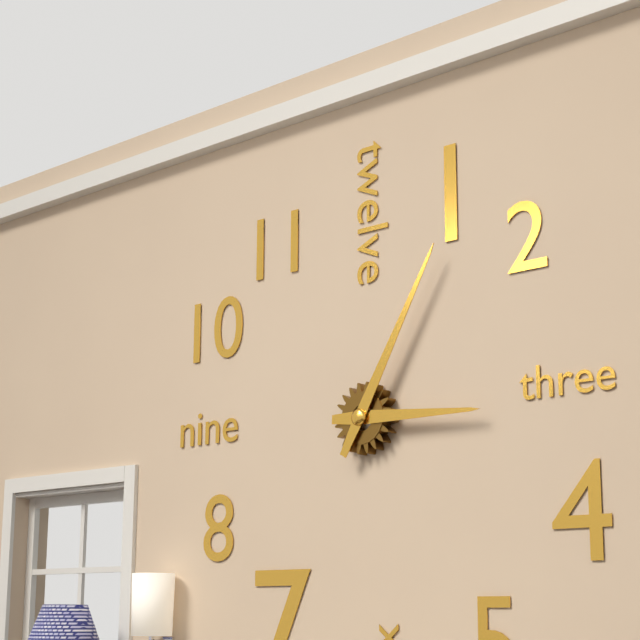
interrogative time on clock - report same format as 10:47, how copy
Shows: 3:05
